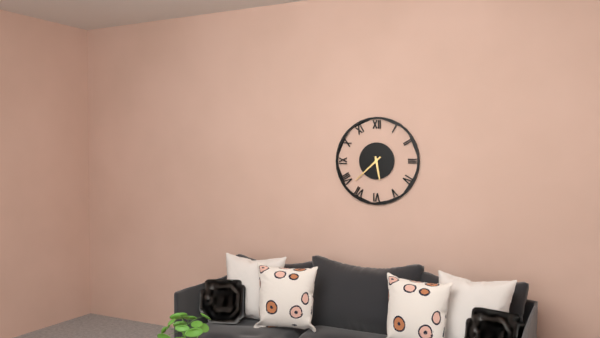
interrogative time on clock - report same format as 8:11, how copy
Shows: 5:38
